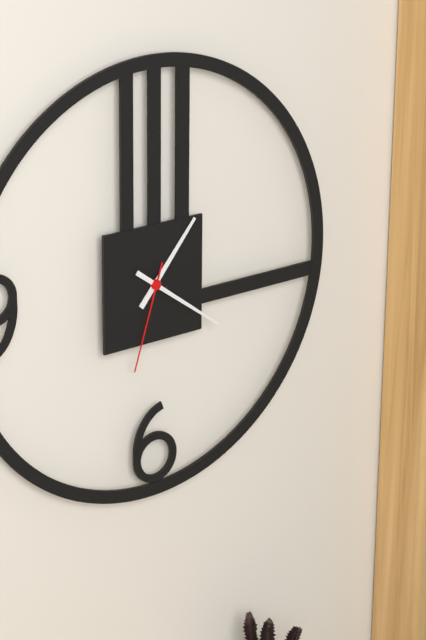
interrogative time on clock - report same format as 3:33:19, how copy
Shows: 1:21:33
